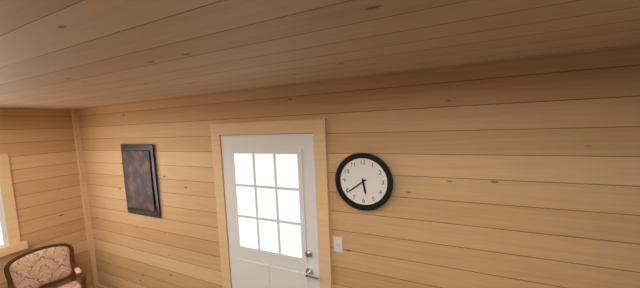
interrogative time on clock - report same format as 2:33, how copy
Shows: 5:39
